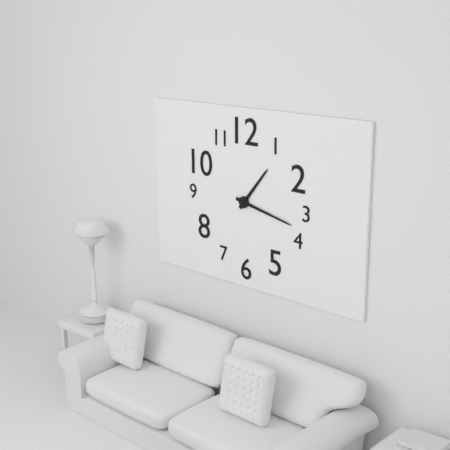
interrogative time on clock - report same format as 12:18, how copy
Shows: 1:17
